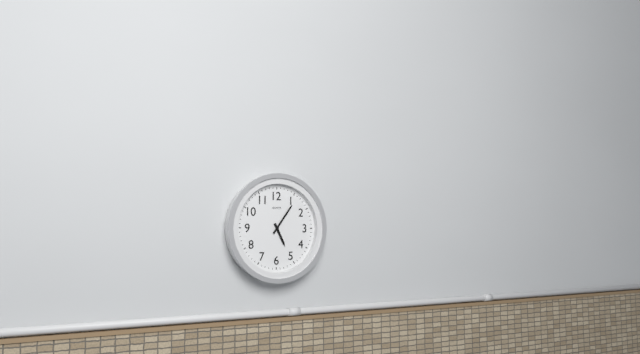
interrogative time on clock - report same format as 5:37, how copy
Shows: 5:06
